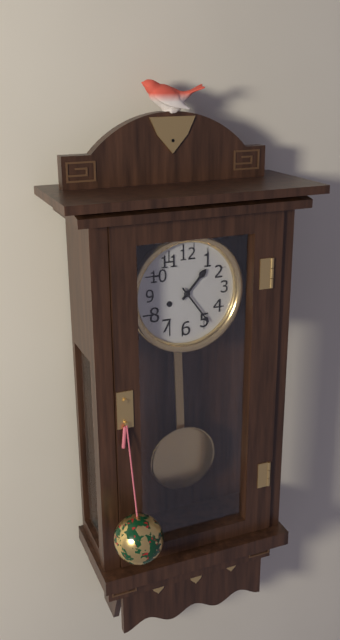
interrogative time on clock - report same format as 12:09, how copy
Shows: 1:24
